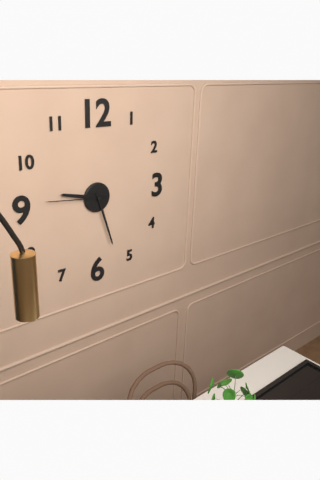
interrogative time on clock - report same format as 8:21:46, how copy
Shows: 9:27:46
